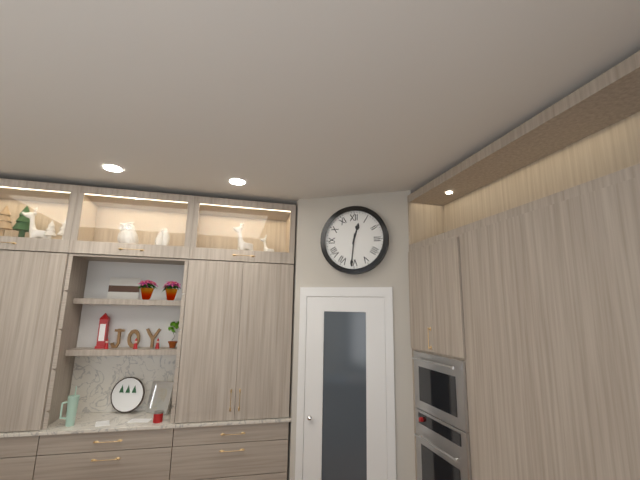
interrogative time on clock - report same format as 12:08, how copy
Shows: 12:31
